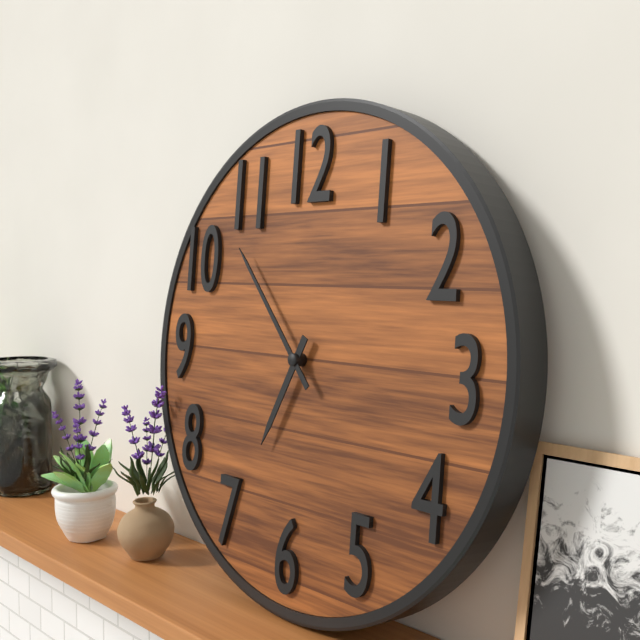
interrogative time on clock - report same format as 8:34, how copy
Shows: 6:53
